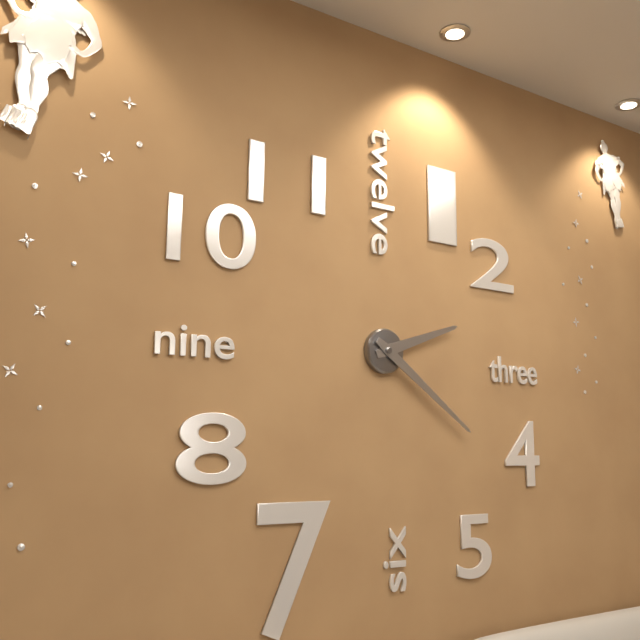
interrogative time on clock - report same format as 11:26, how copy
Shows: 2:21
